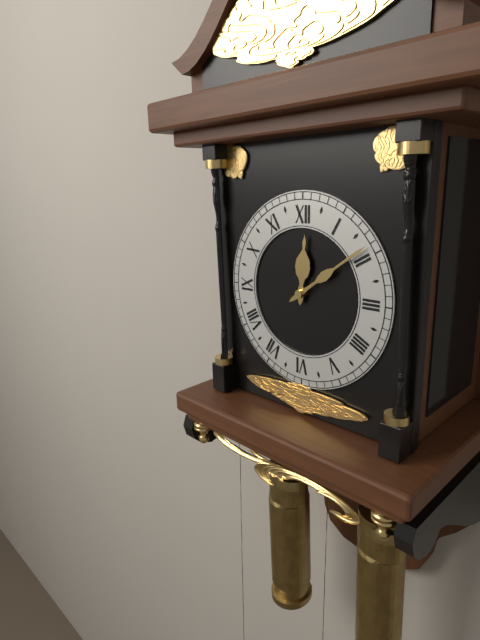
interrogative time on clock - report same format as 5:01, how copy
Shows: 12:09
